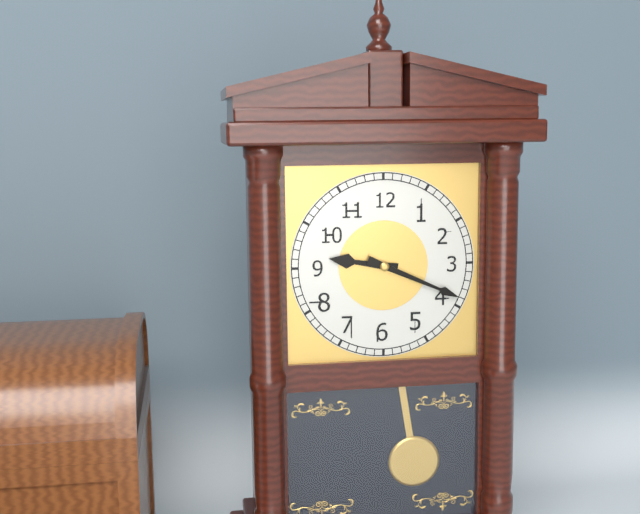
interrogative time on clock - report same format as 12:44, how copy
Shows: 9:19
